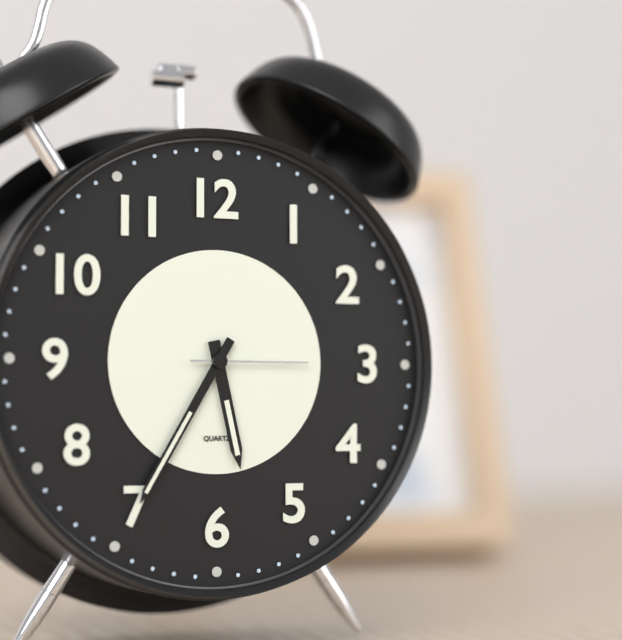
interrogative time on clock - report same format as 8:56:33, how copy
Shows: 5:35:15
